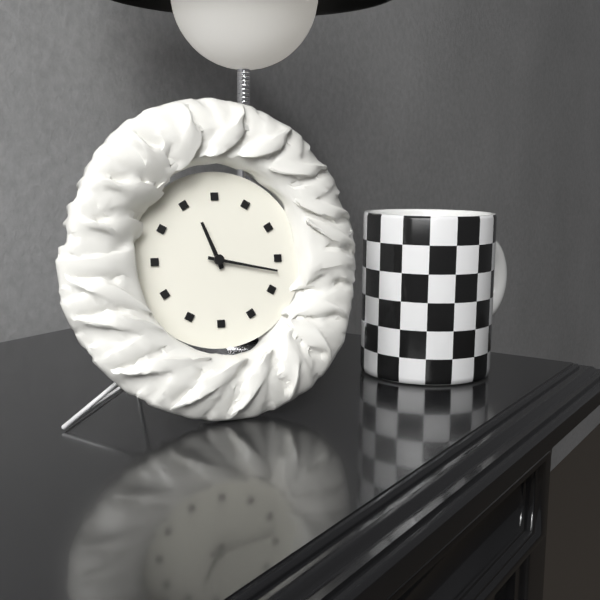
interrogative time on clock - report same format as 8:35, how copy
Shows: 11:17
